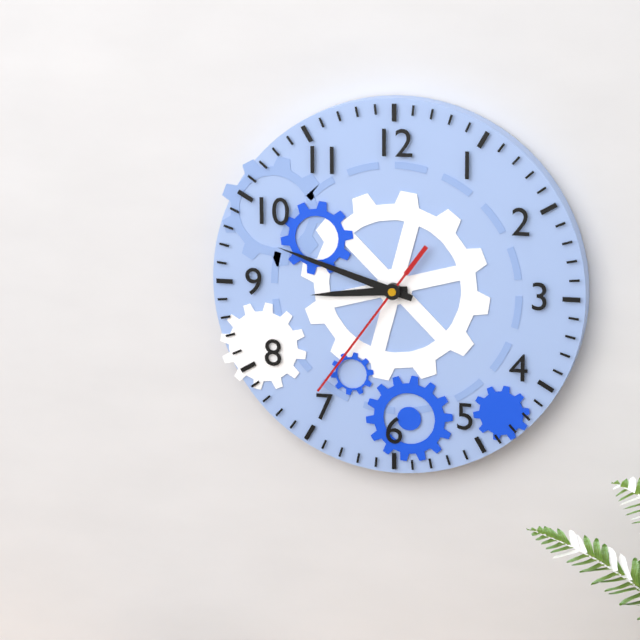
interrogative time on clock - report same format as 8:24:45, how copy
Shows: 8:48:36
